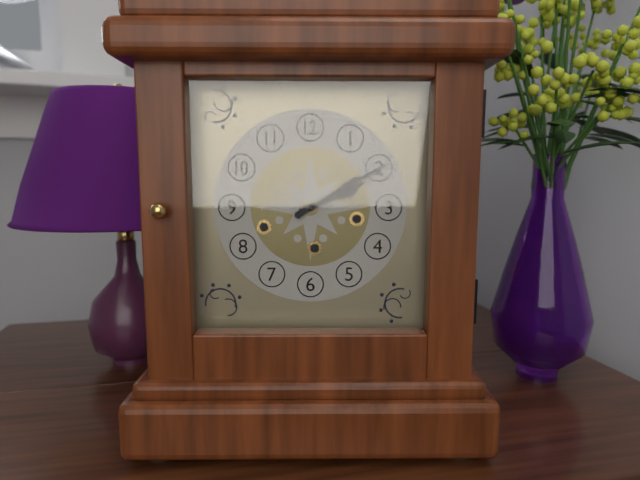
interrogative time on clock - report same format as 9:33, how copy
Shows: 2:10
